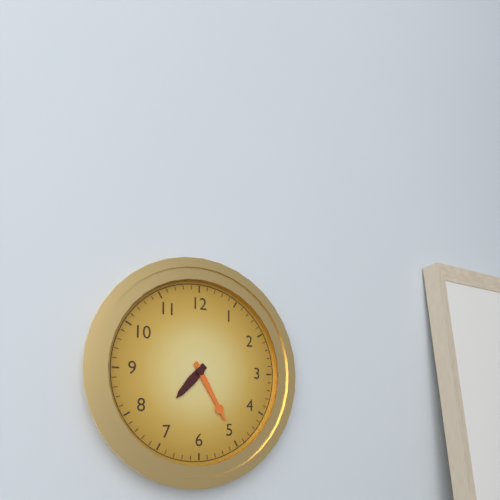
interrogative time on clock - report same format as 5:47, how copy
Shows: 7:25
